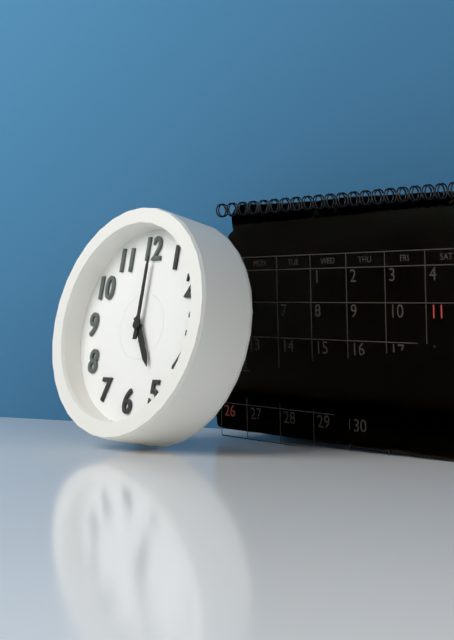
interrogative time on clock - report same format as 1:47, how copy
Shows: 5:00
